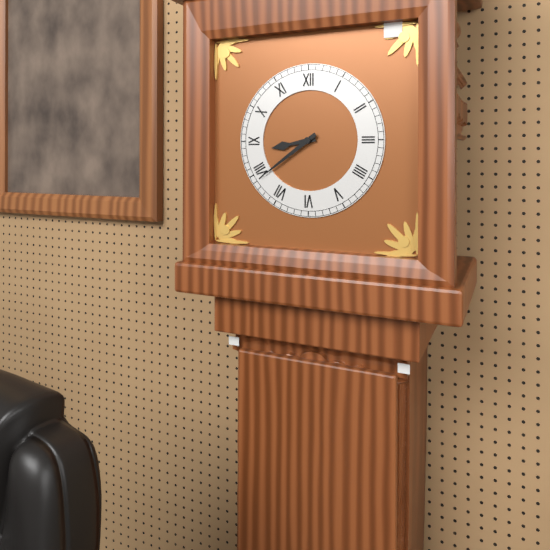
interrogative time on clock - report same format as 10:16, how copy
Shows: 8:39
